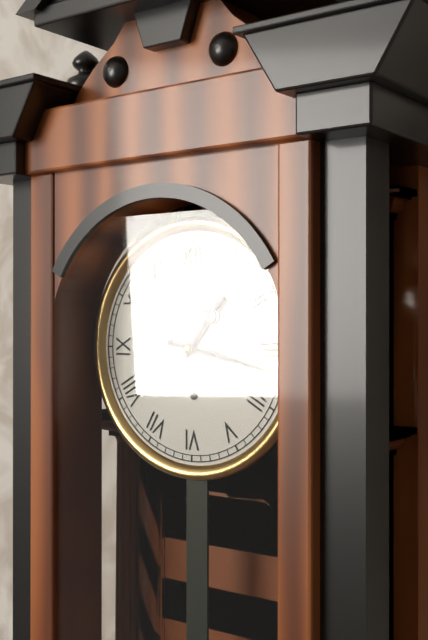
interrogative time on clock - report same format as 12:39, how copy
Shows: 1:17
